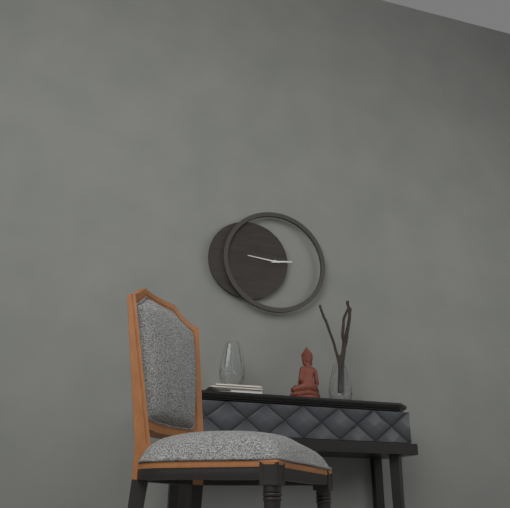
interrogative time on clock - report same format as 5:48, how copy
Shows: 2:46
